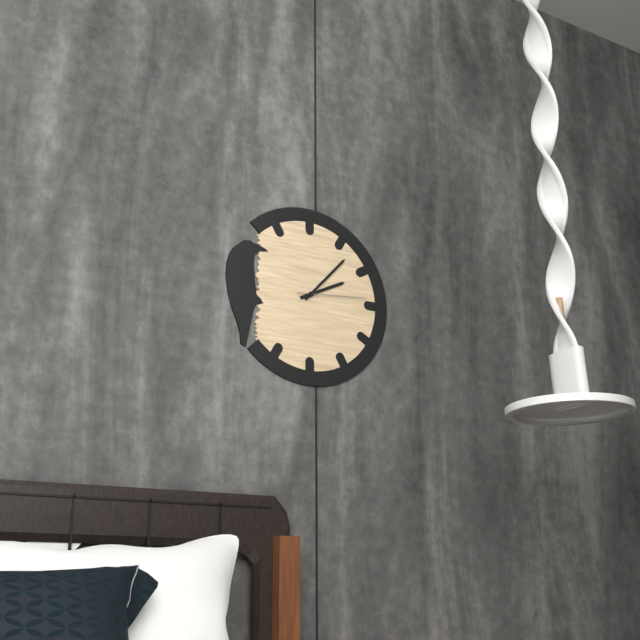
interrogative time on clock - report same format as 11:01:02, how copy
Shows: 2:07:14
